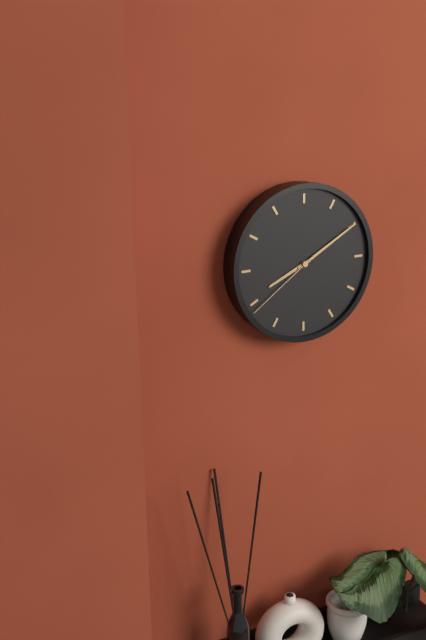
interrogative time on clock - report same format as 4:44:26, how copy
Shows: 8:10:39
